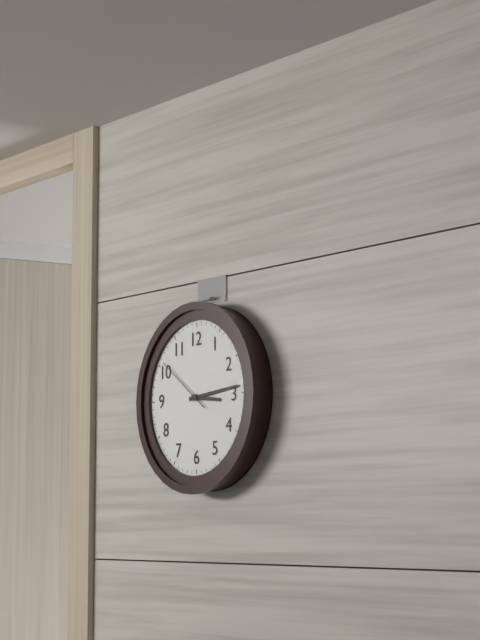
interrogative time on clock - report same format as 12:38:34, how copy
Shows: 3:14:51
